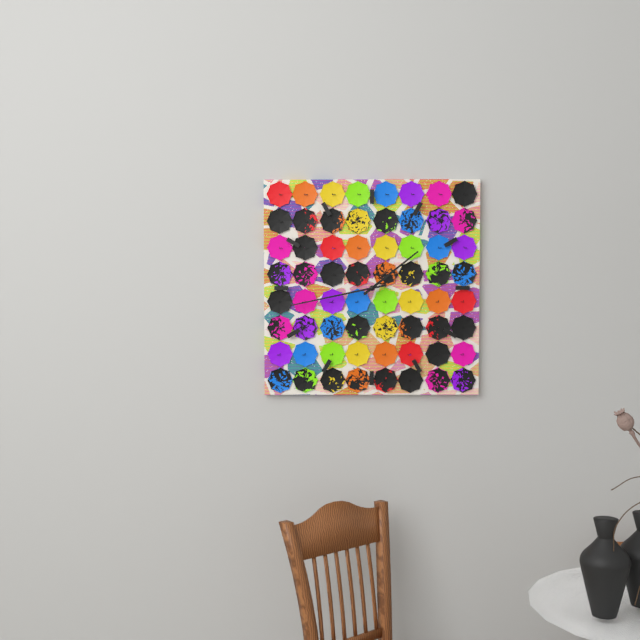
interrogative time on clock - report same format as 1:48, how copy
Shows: 1:43
